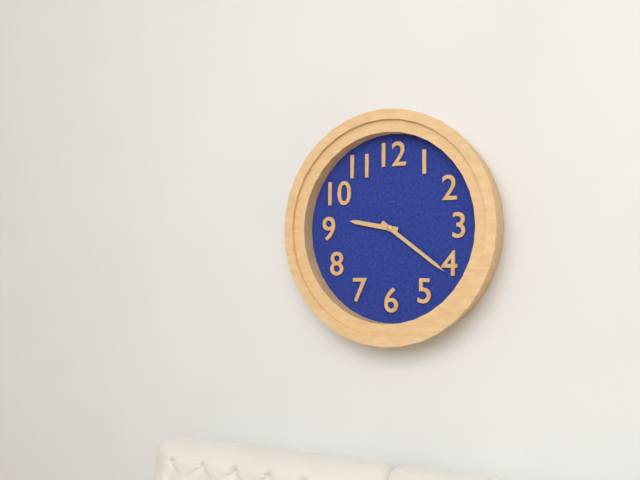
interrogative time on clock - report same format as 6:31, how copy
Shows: 9:21
